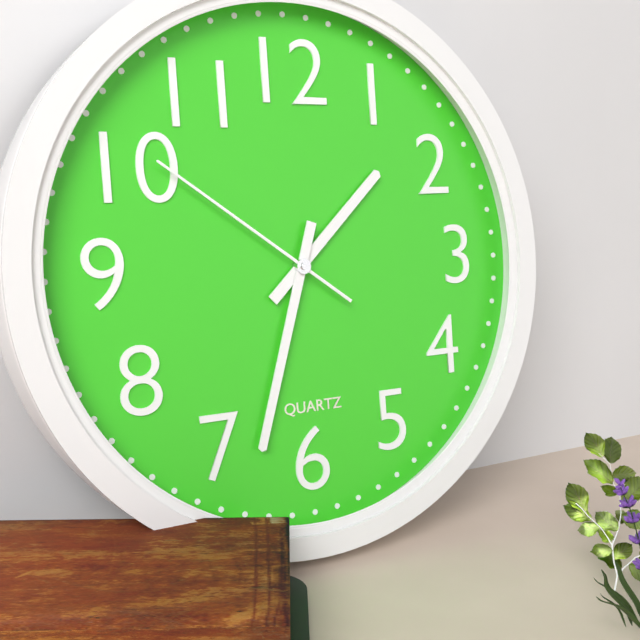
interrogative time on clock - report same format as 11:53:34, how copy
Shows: 1:33:51
